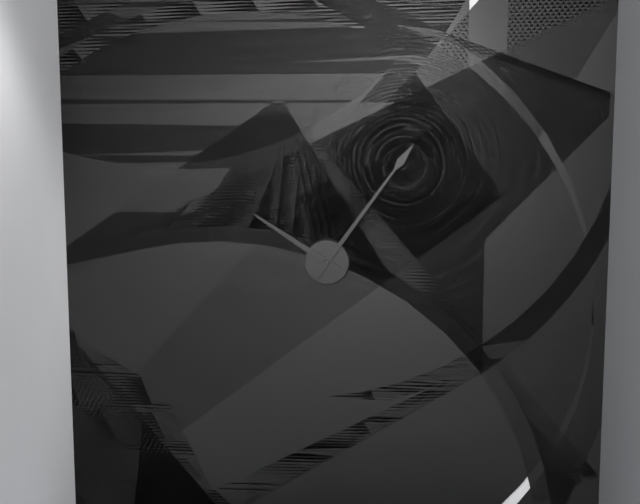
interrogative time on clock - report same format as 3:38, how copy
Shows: 10:06
